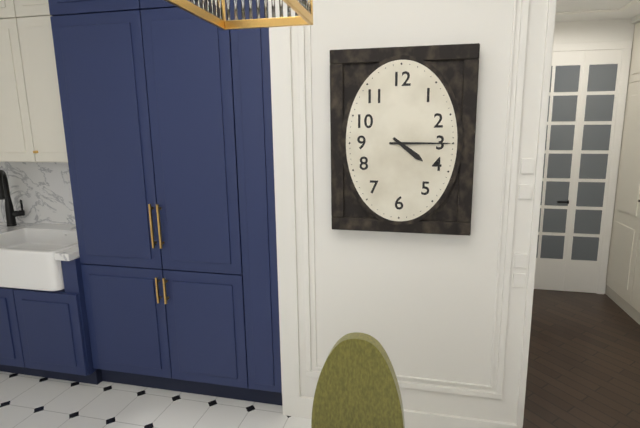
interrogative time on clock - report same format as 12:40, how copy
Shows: 4:15
